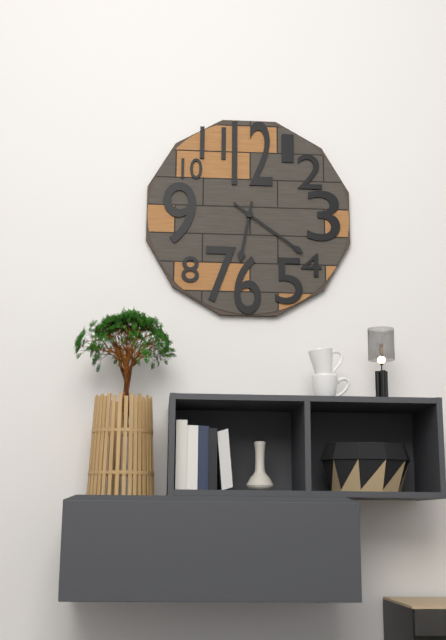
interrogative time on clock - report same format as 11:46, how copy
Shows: 6:21
